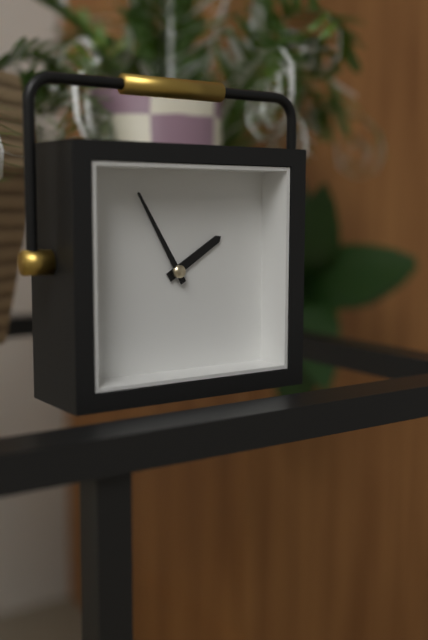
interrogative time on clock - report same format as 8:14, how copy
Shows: 1:55
